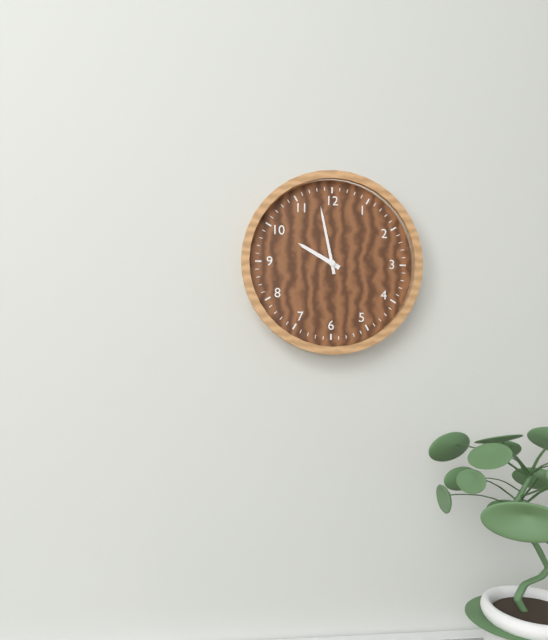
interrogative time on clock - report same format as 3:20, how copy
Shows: 9:58
